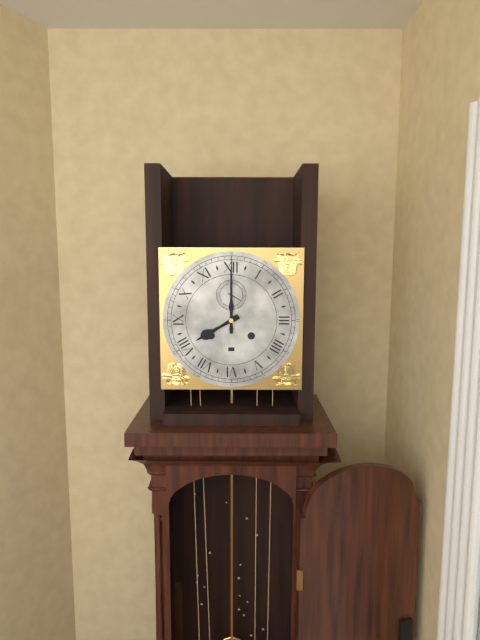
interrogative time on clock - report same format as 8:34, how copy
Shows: 8:00
